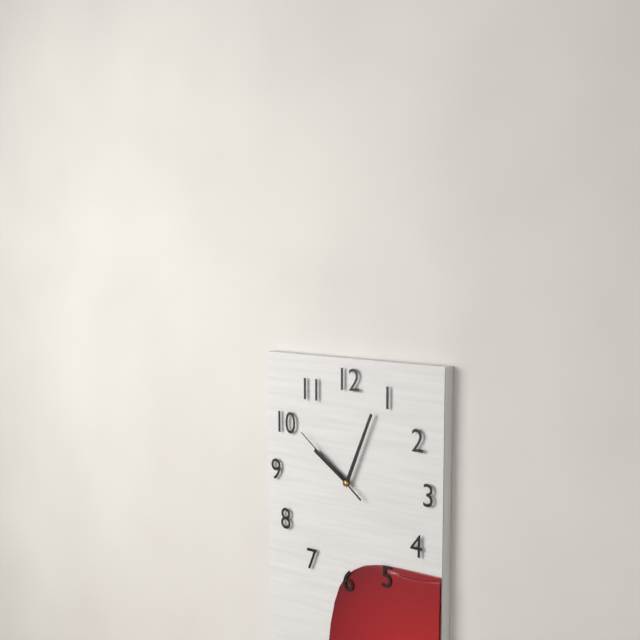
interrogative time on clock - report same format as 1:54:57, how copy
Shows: 10:04:51
